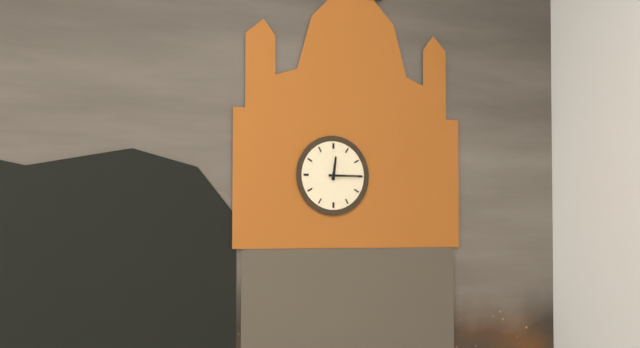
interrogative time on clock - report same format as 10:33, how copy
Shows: 12:15
